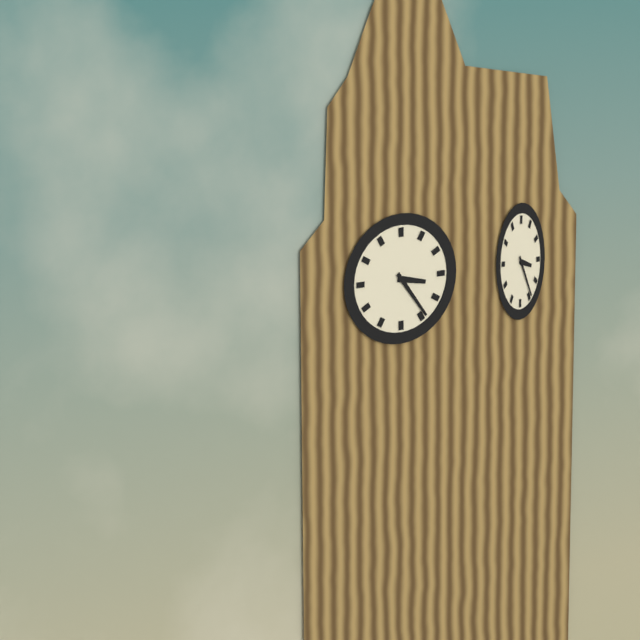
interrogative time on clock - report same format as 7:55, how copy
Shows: 3:24
